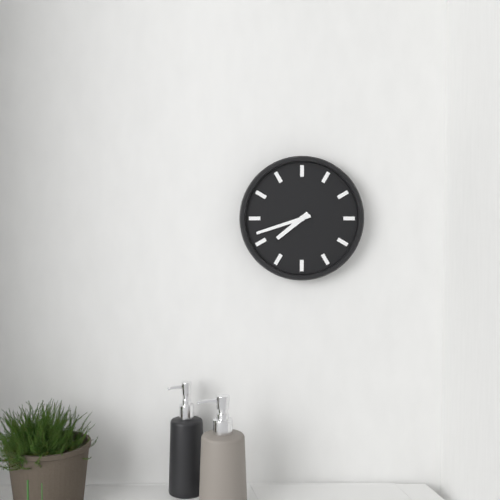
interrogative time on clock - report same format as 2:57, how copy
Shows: 7:42
